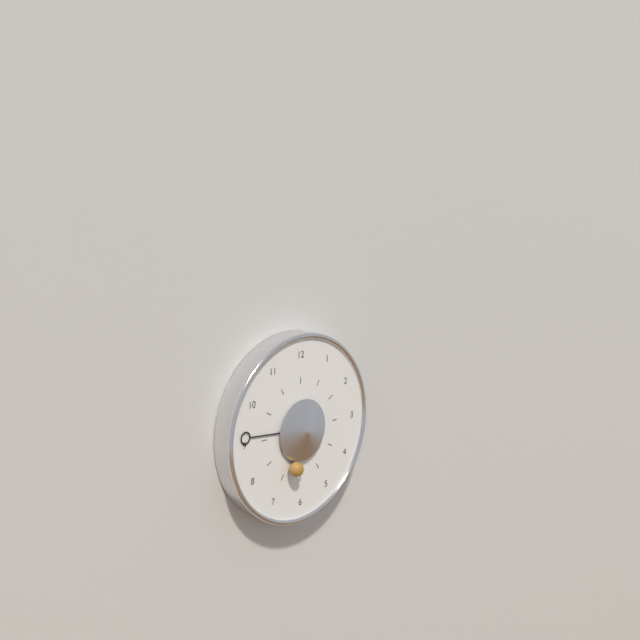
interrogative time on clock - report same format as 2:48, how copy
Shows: 6:46
